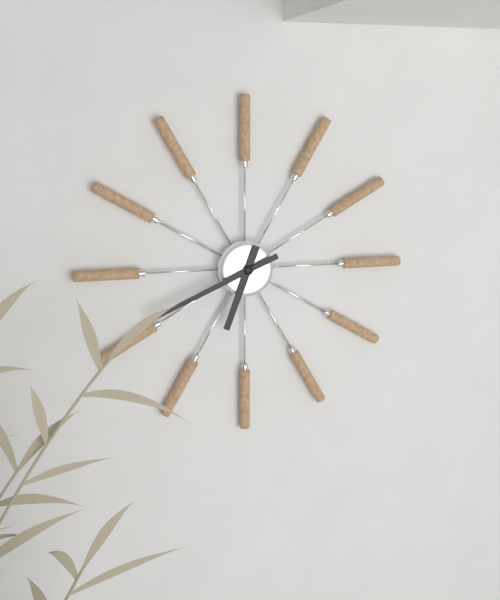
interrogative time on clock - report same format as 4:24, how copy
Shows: 6:41
